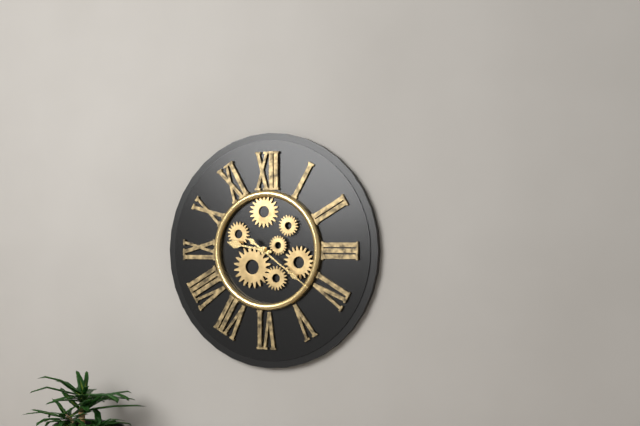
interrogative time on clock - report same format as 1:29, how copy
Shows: 9:21
